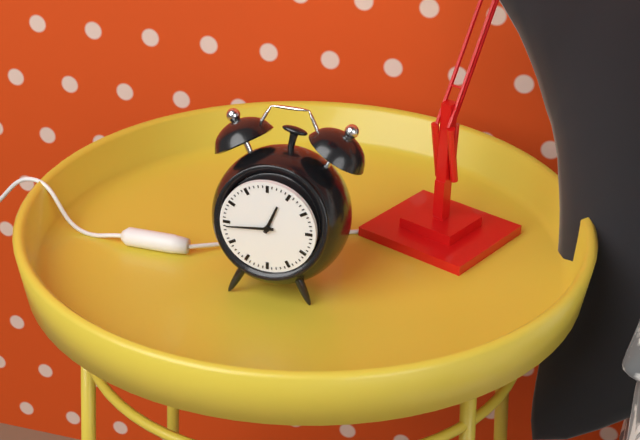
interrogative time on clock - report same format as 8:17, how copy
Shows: 12:44
